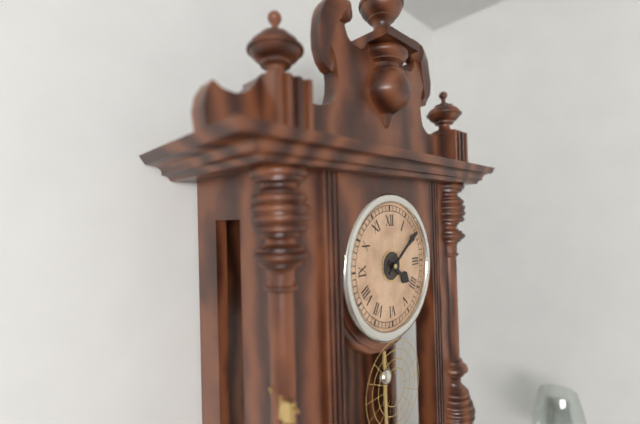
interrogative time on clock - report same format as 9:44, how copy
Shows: 4:09
